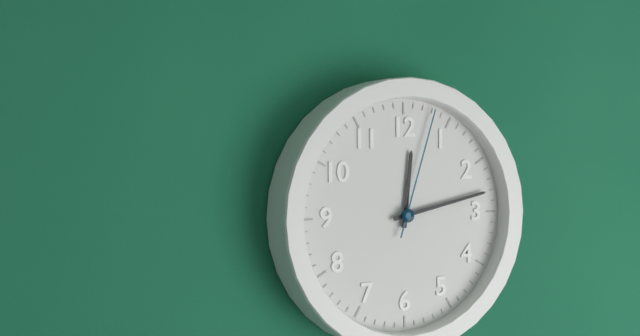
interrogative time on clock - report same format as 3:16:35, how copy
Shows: 12:13:03
